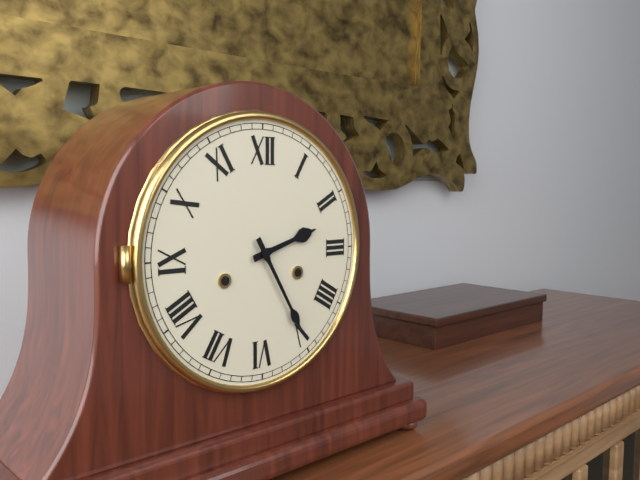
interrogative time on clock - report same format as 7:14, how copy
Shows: 2:25
